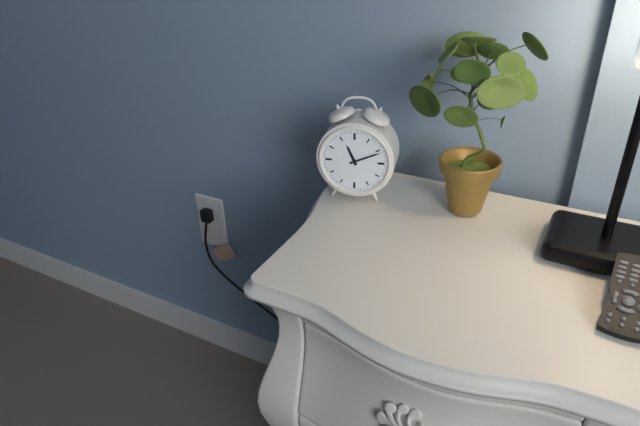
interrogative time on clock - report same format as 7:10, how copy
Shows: 11:11
